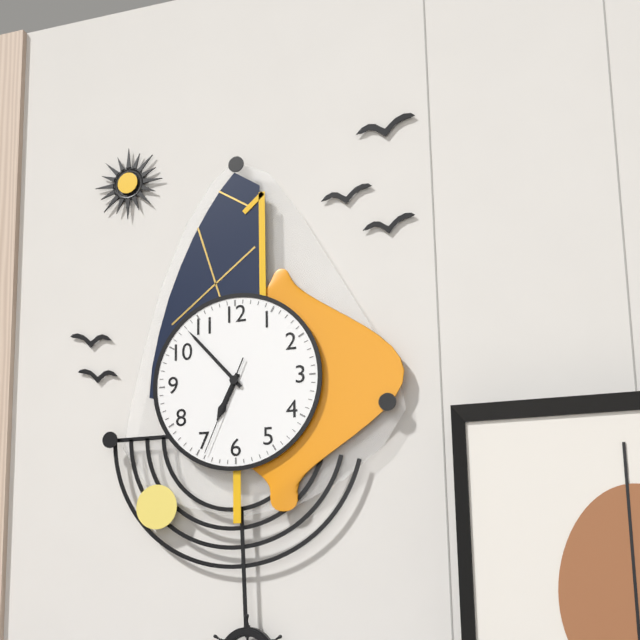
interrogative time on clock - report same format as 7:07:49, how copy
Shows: 6:53:34
